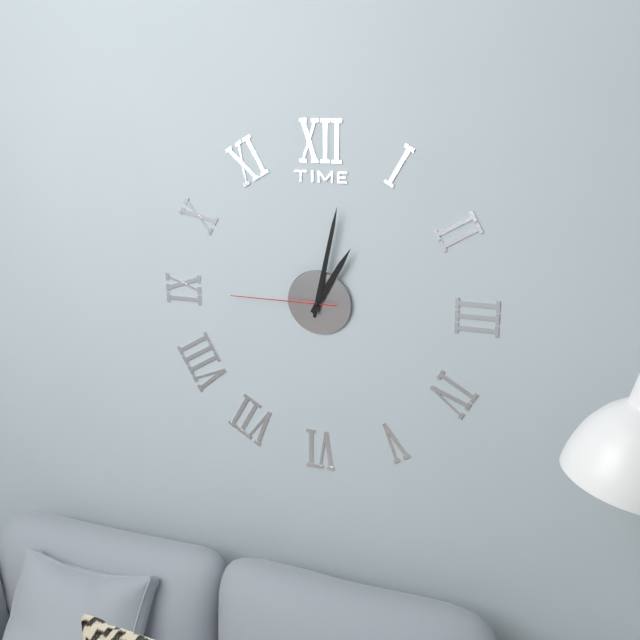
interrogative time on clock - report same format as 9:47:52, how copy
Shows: 1:02:45
